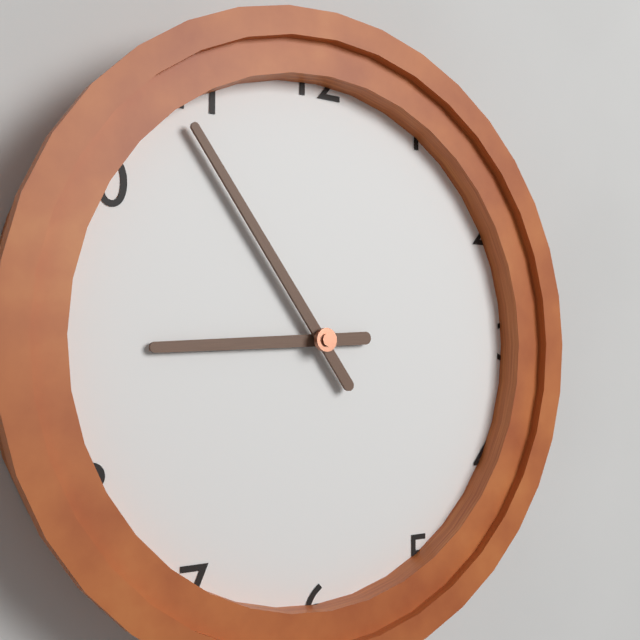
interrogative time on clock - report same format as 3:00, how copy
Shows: 8:54
